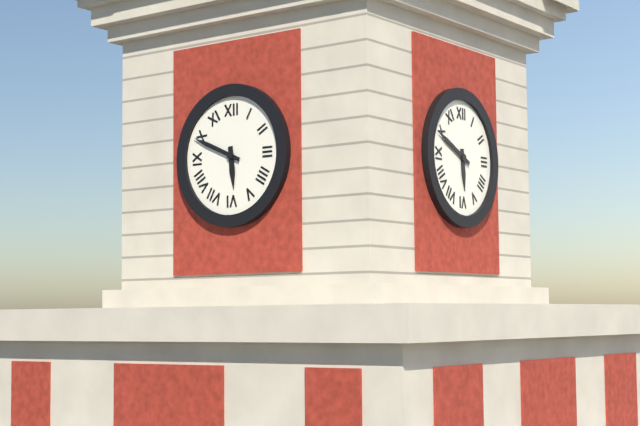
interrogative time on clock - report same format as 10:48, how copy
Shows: 5:49
